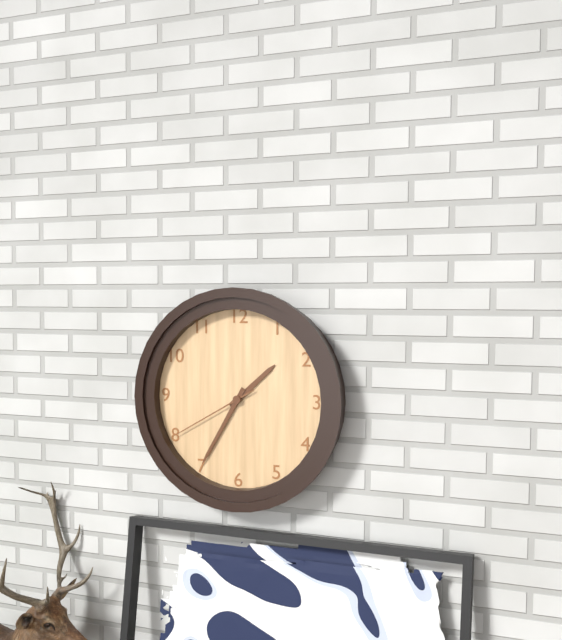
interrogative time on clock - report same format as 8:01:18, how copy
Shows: 1:35:40
